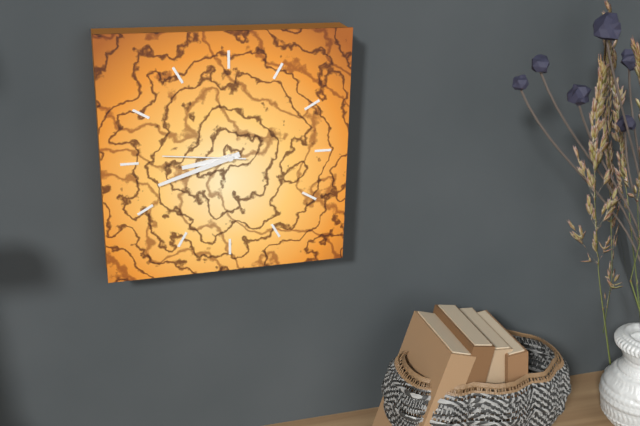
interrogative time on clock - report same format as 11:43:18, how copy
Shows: 8:42:46
